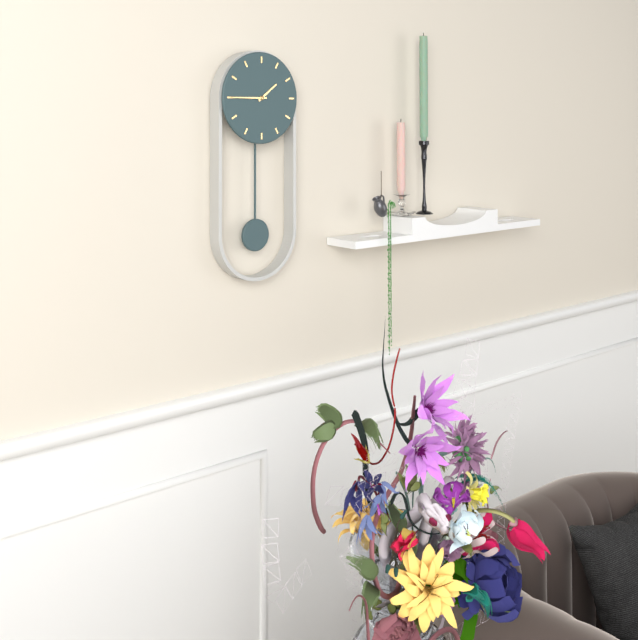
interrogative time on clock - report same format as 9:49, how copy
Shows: 1:45
